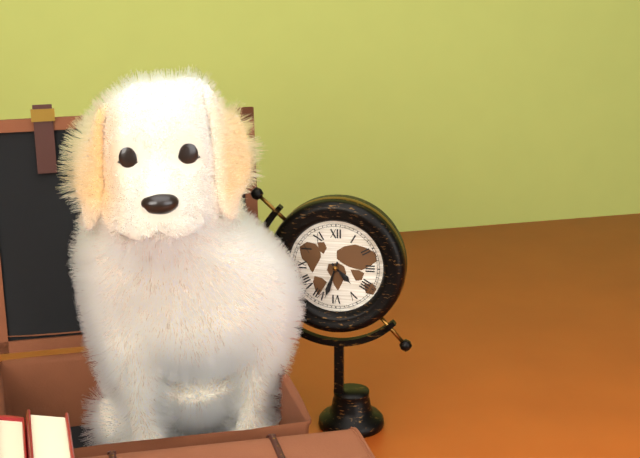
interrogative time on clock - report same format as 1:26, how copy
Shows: 4:33
